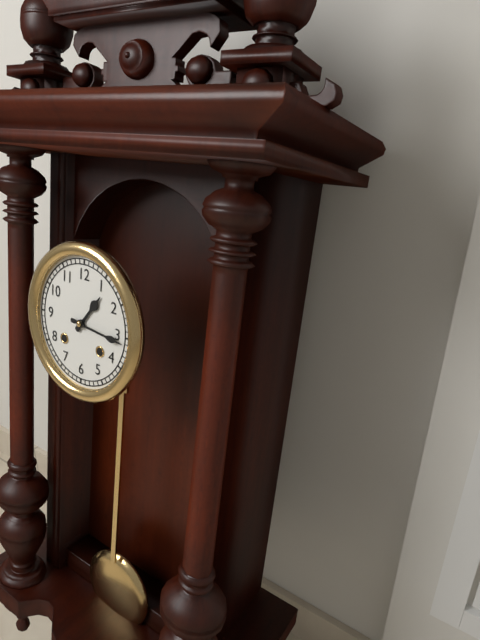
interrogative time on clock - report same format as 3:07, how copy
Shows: 1:16
